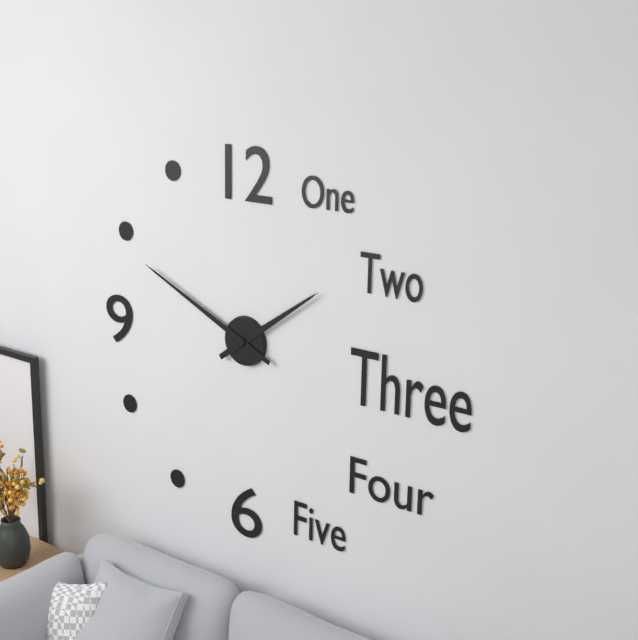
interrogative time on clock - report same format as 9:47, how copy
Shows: 1:49
